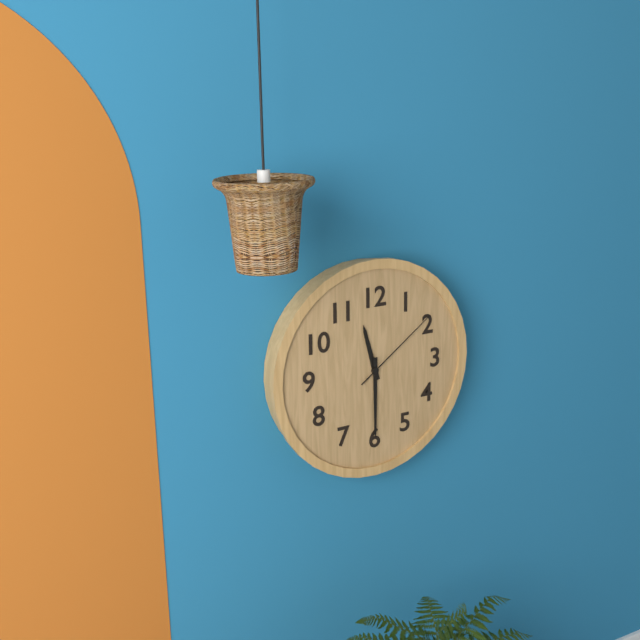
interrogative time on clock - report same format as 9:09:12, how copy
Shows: 11:30:09
